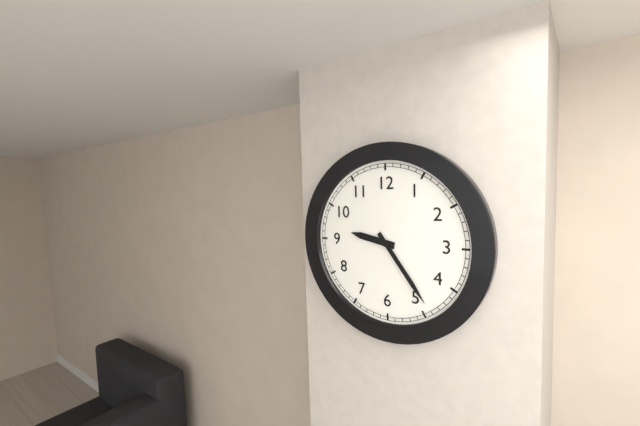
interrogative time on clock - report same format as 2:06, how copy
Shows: 9:24
